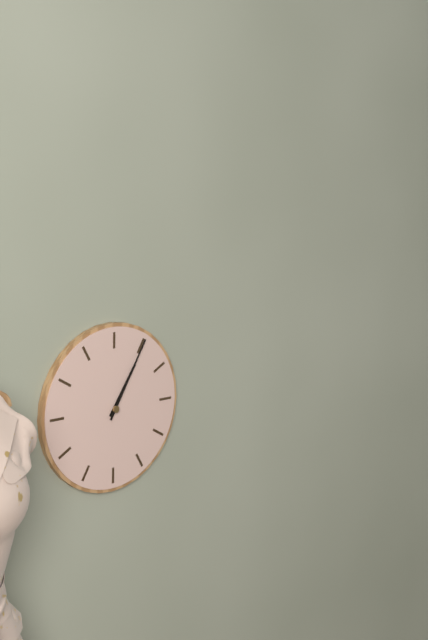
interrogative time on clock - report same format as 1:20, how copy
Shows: 1:05
